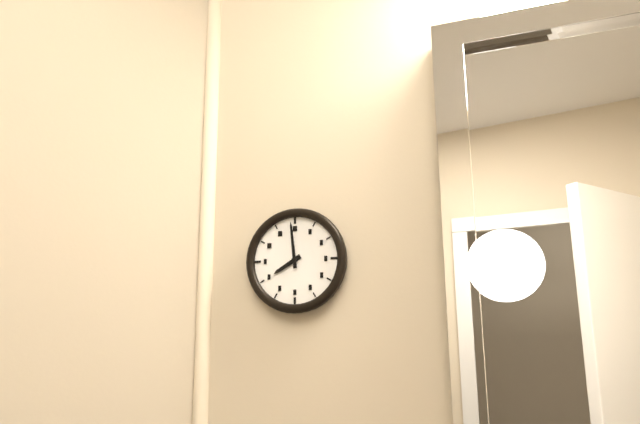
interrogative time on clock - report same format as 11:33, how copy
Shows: 7:59
